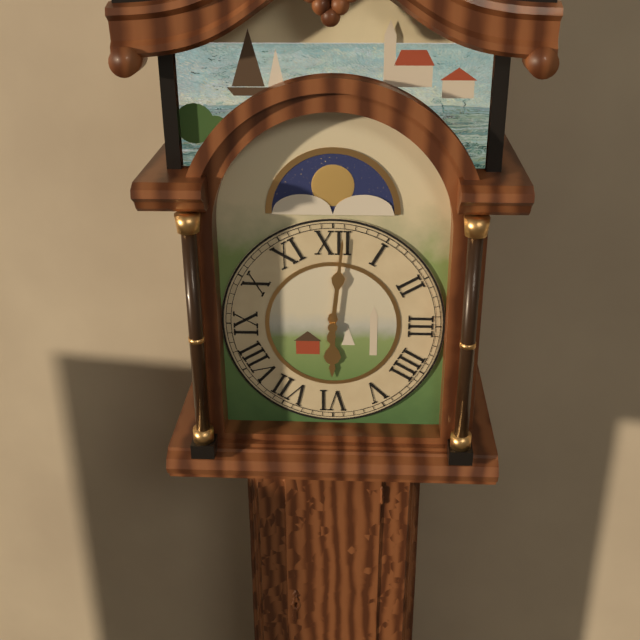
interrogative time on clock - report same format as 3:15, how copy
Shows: 6:01
